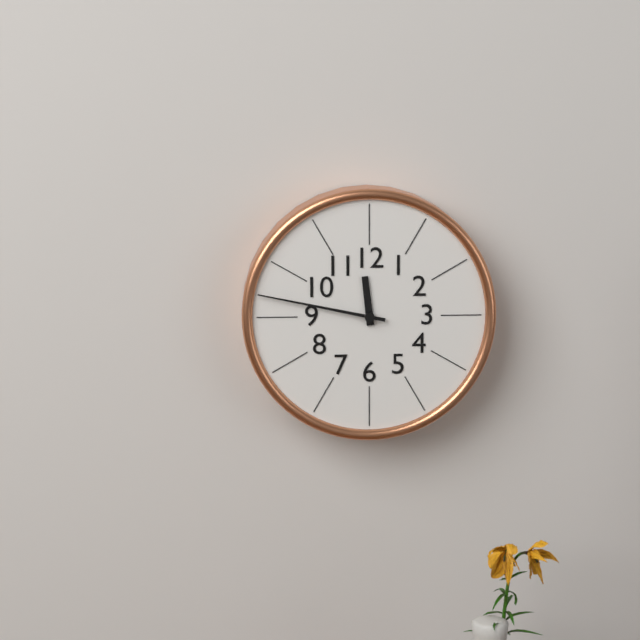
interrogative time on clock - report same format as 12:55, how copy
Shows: 11:47
